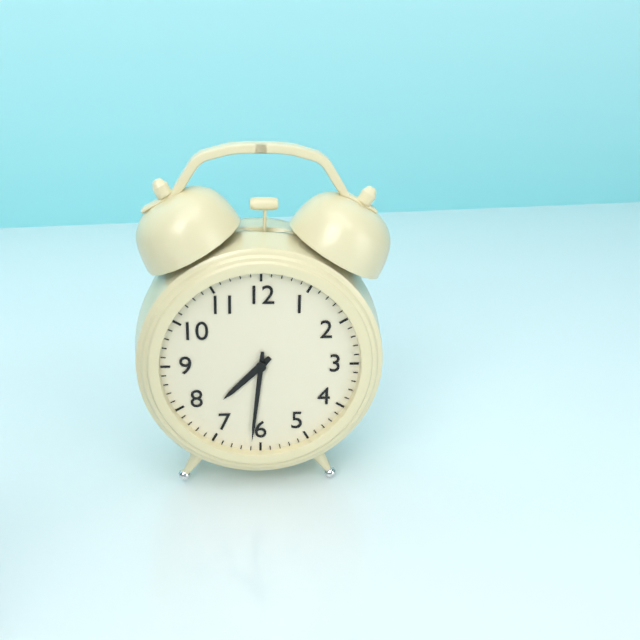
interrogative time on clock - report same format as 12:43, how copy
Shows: 7:31
